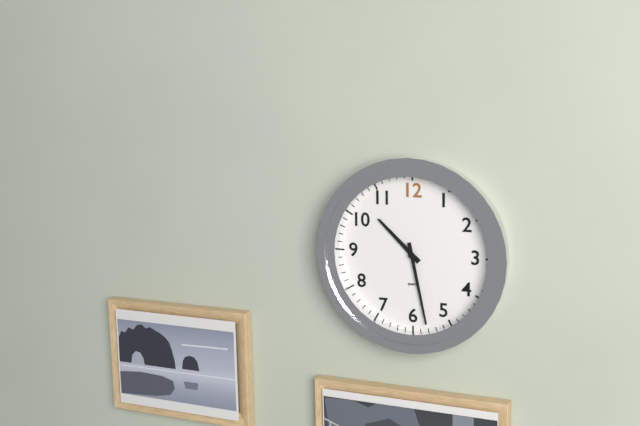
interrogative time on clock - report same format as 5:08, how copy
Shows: 10:28
